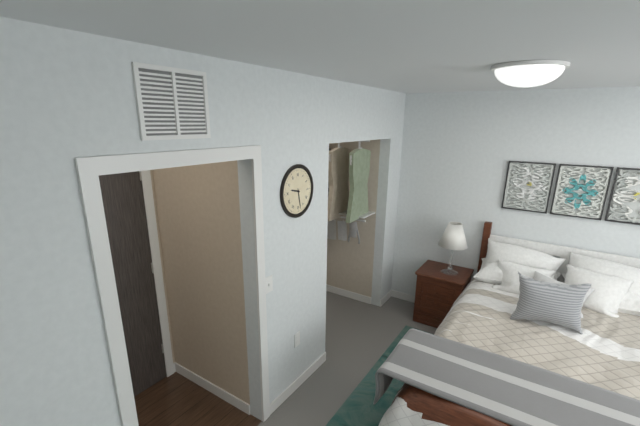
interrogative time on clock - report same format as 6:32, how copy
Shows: 9:28
